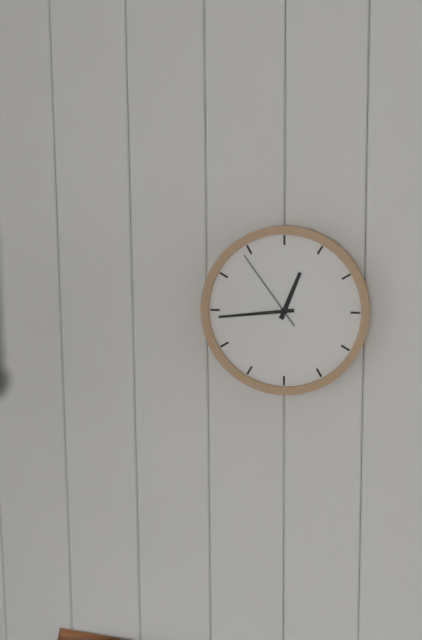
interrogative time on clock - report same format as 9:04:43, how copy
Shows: 12:44:54
